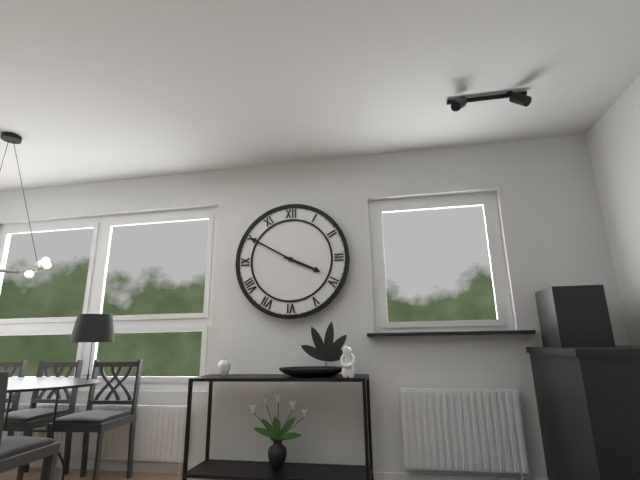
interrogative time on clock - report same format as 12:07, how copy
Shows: 3:50
